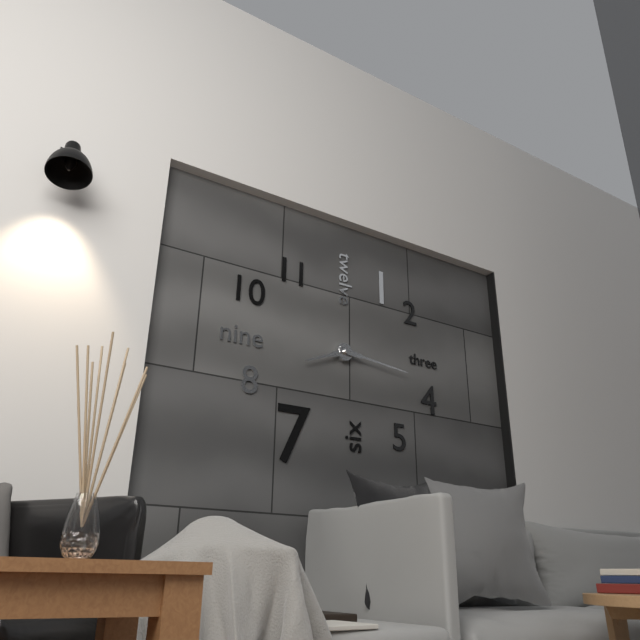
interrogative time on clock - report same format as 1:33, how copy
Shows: 8:16
